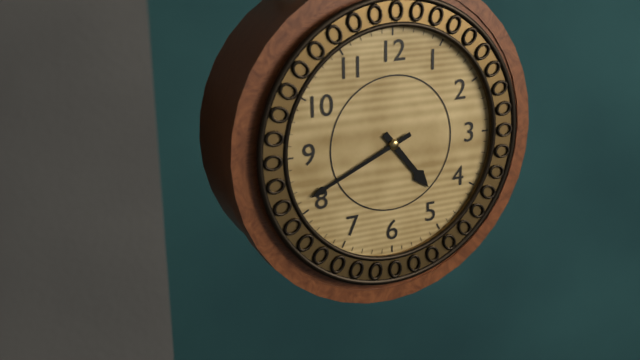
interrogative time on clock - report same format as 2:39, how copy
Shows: 4:41
